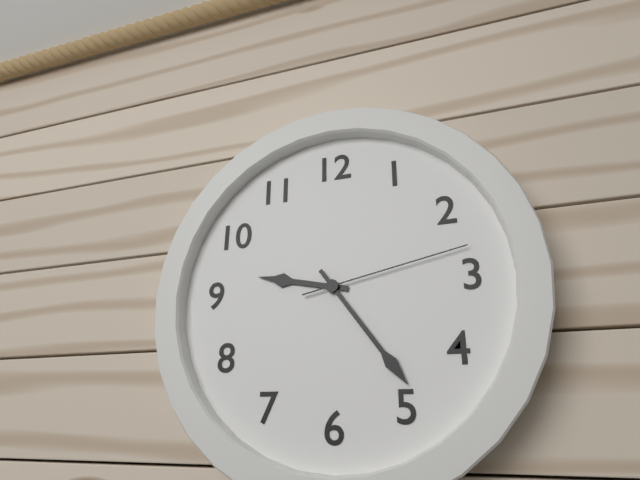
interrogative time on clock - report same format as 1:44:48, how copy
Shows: 9:24:13
